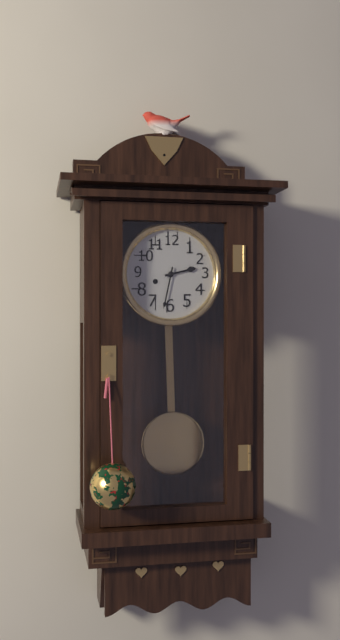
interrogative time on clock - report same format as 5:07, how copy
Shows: 2:32
